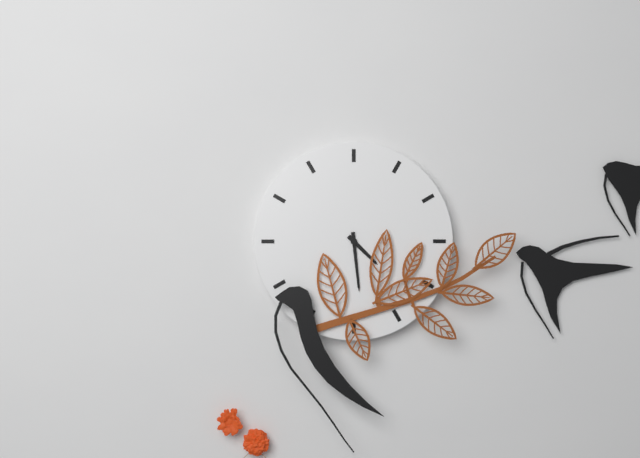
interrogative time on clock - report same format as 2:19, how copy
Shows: 4:29
